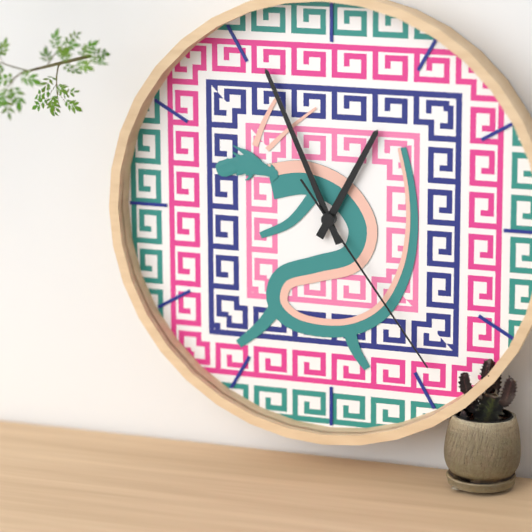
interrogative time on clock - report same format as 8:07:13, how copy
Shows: 12:56:24
